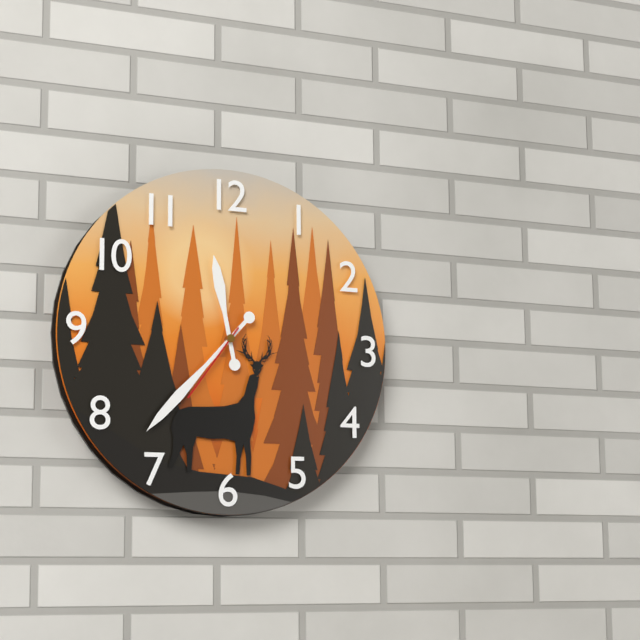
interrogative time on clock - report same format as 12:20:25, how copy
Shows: 11:37:36
